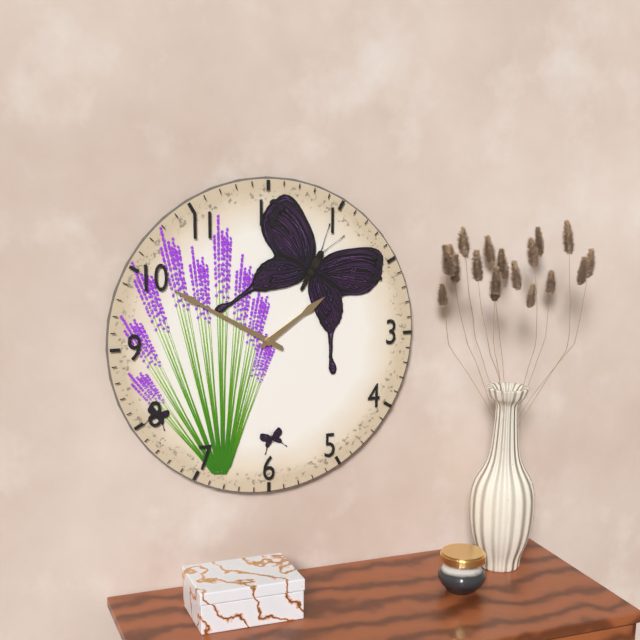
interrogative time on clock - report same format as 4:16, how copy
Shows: 1:50
